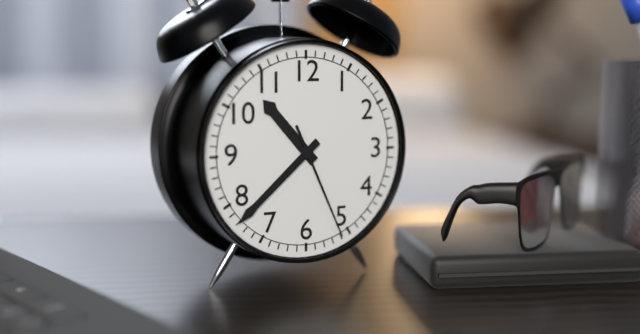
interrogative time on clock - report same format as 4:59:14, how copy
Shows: 10:38:26
